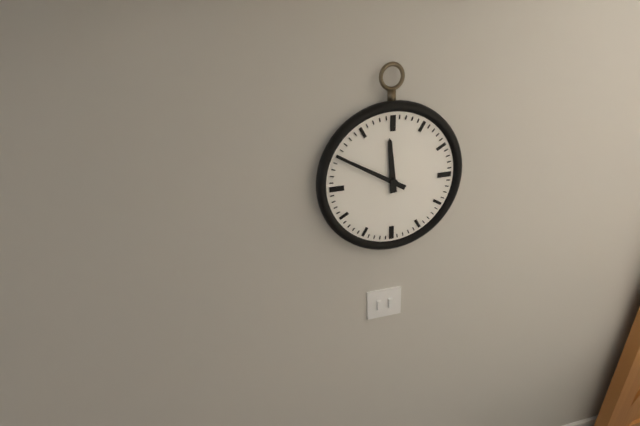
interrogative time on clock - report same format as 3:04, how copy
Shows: 11:50
